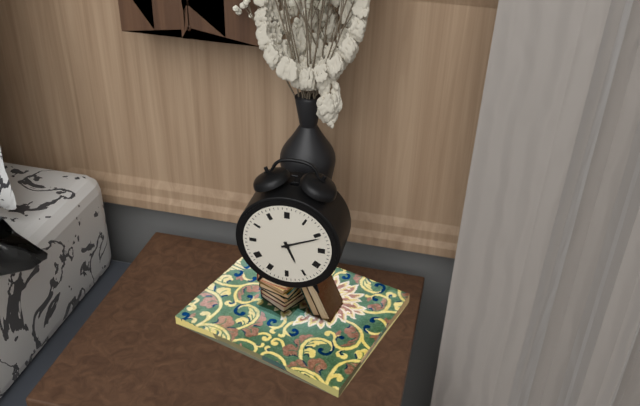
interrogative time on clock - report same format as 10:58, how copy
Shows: 5:11
